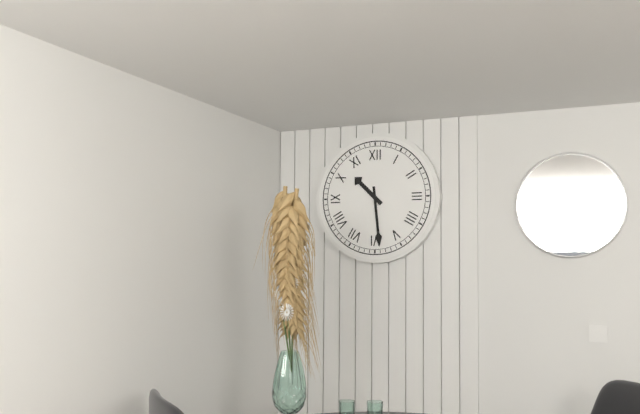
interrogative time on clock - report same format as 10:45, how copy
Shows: 10:29
